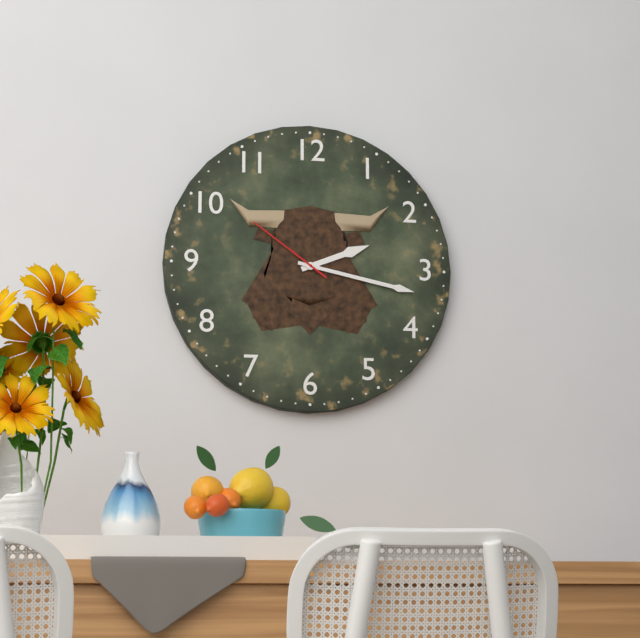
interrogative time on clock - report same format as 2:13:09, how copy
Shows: 2:17:51
